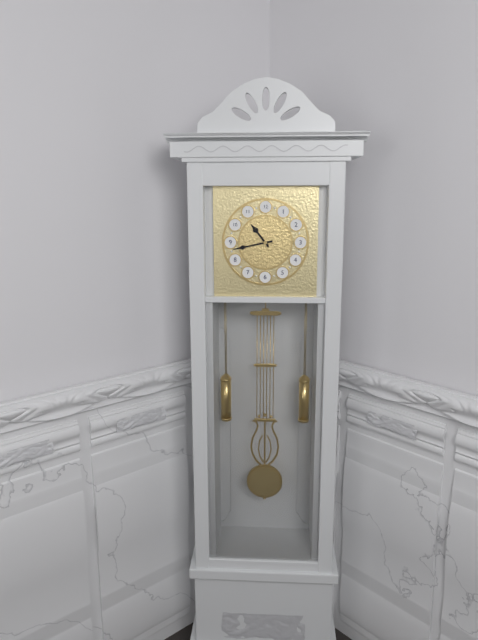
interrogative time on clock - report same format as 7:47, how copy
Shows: 10:43
